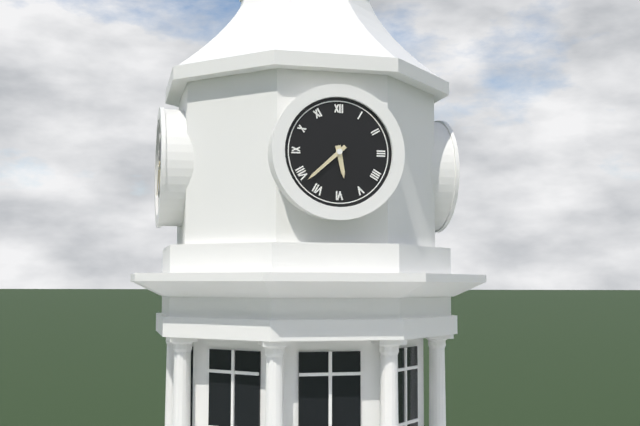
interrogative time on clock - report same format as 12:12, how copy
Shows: 5:38
